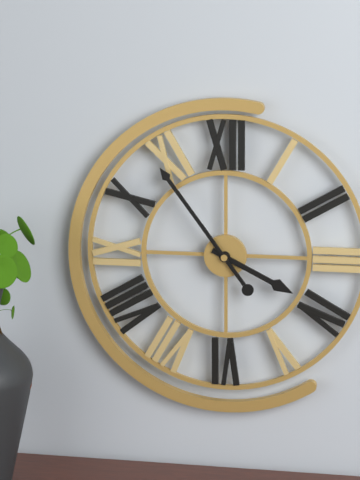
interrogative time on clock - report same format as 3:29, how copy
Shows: 3:54
